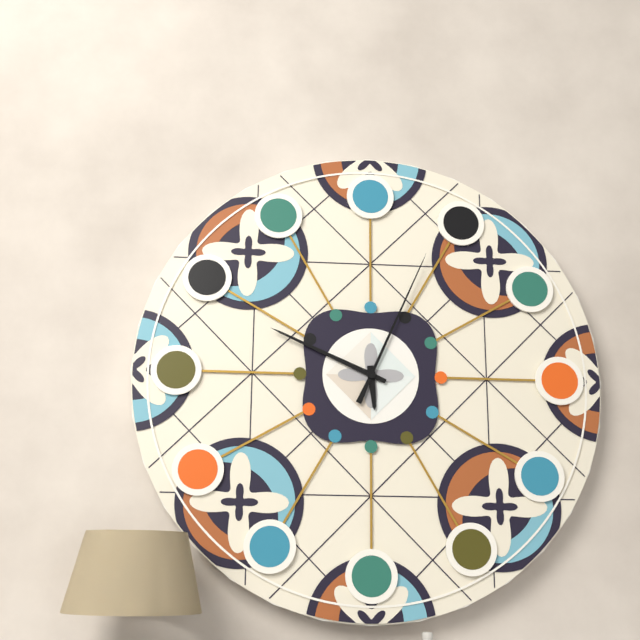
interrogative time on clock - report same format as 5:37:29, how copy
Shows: 5:49:04
